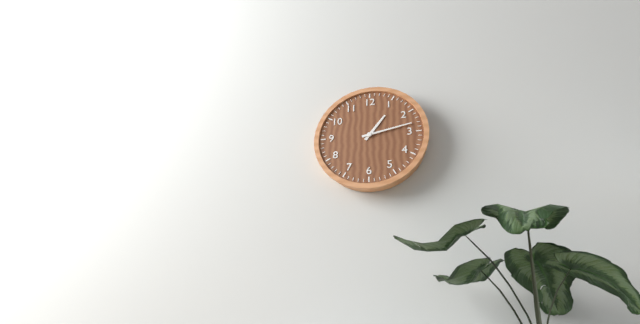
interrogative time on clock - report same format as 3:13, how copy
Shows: 1:13
